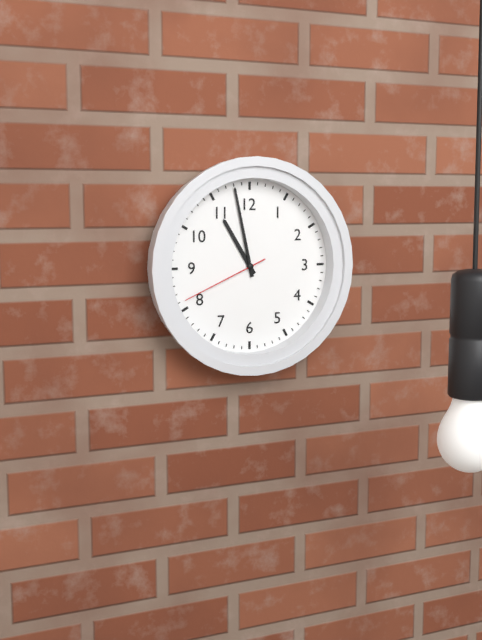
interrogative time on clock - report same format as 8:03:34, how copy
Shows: 10:58:41
